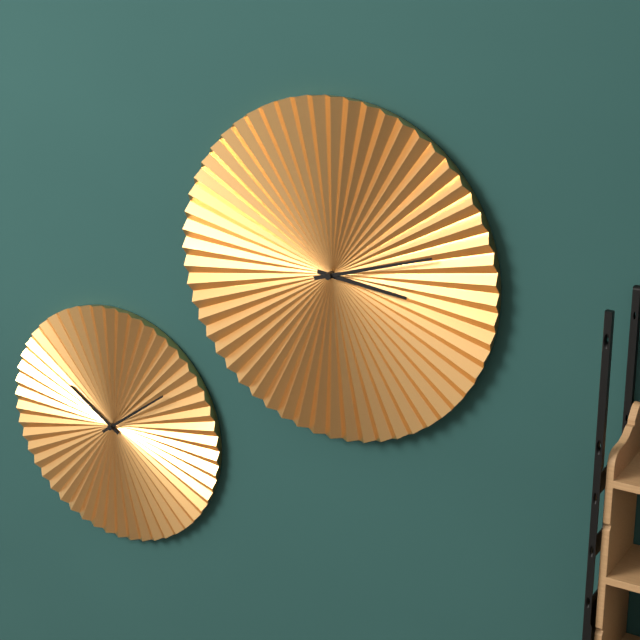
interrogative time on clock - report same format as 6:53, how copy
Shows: 3:12
